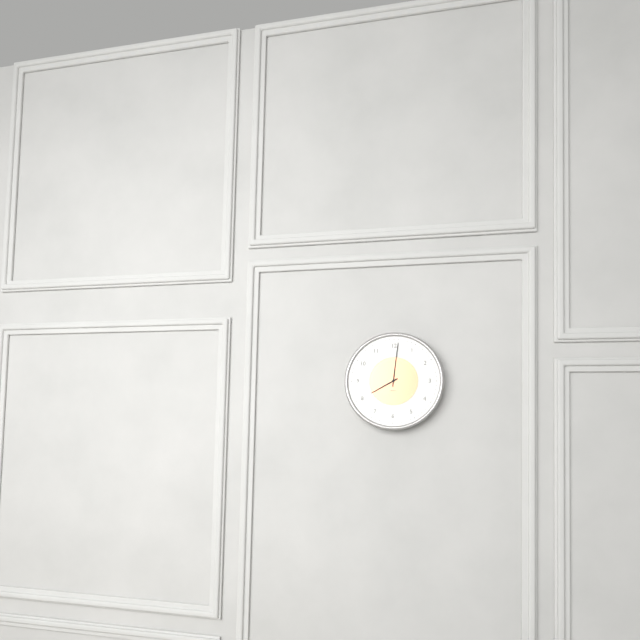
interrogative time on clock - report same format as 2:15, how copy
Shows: 8:01
